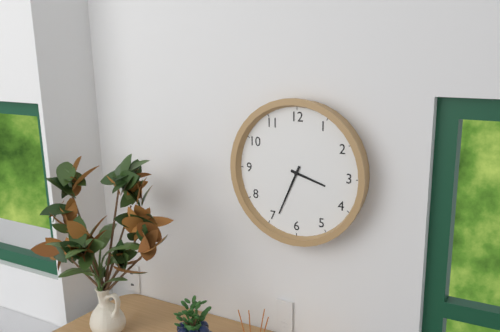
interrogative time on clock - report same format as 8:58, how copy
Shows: 3:34
